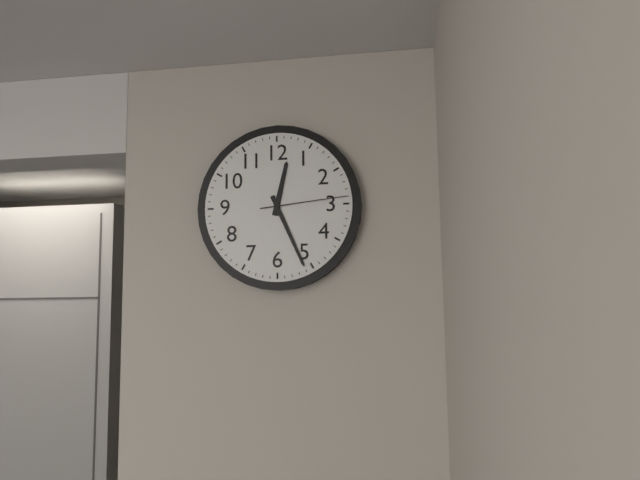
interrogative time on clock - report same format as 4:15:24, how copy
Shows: 12:26:14
